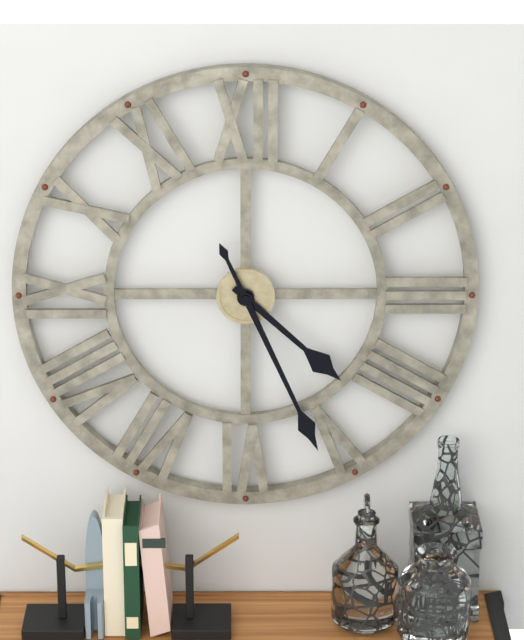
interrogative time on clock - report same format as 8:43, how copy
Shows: 4:26
